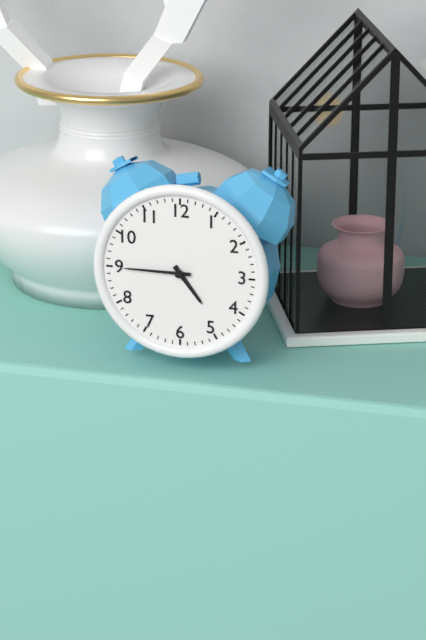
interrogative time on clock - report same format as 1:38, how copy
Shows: 4:45
